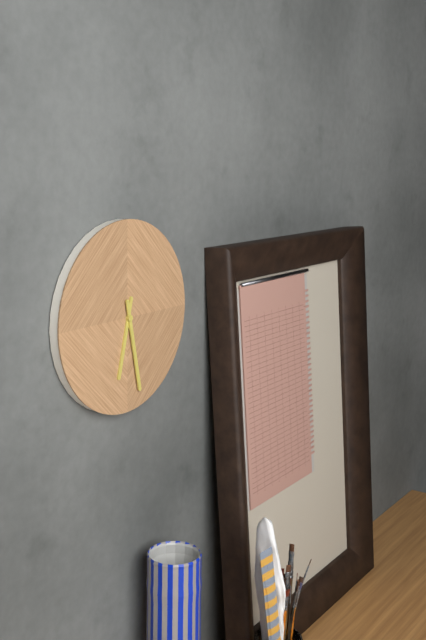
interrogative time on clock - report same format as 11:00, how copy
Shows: 6:28
